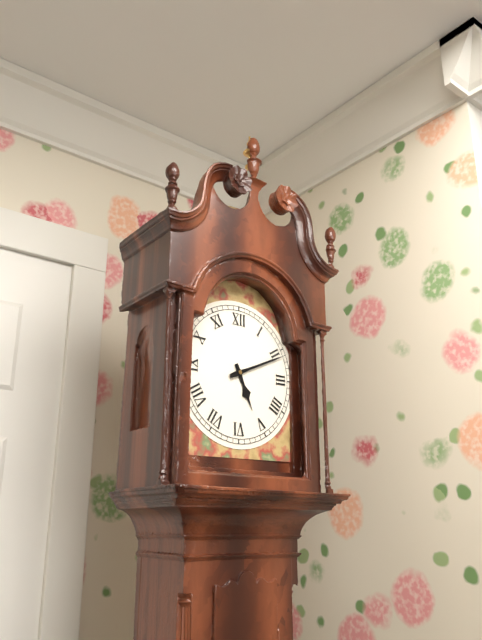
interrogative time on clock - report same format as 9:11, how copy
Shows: 5:11
